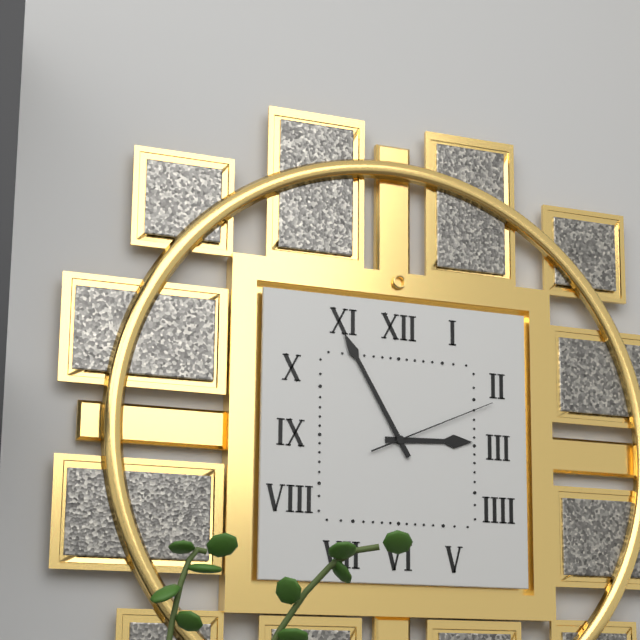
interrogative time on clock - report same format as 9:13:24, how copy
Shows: 2:55:11
